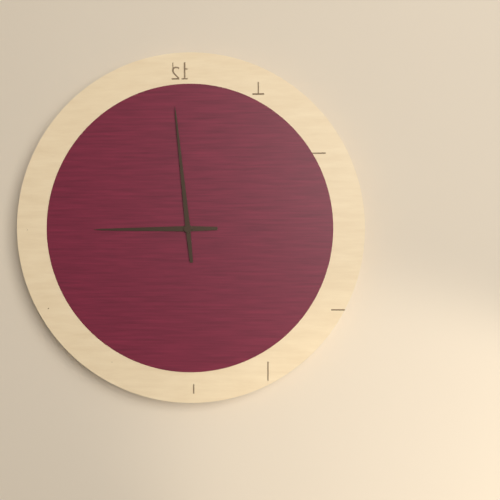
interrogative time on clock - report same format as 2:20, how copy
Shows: 8:59
